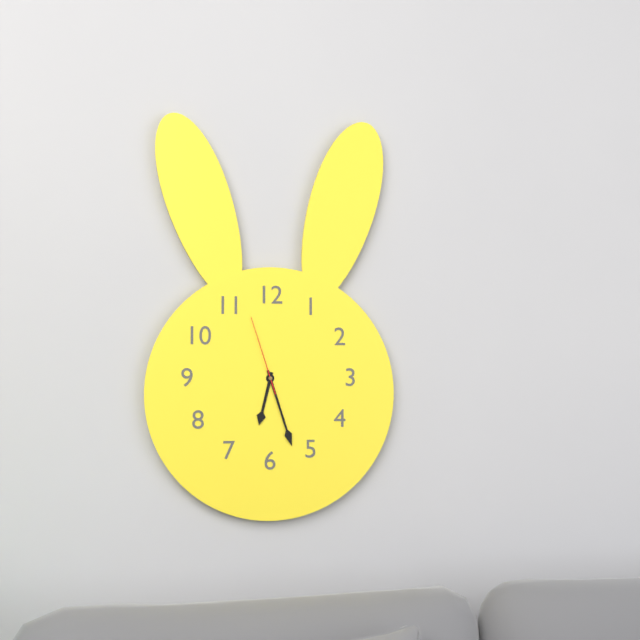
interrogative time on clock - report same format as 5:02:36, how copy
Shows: 6:27:57
